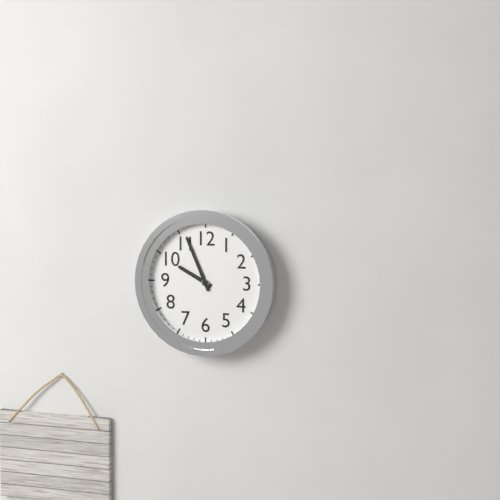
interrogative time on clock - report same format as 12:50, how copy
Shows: 9:56
